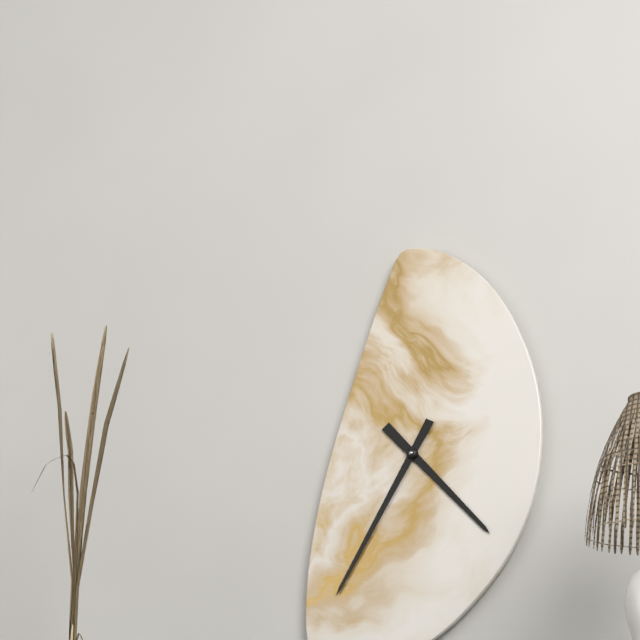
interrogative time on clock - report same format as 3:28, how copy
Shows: 4:35
